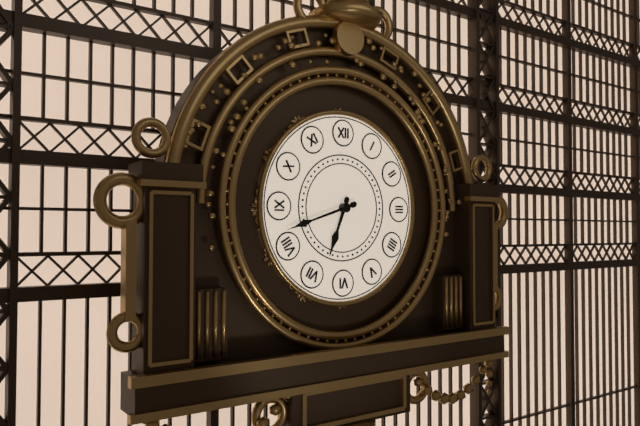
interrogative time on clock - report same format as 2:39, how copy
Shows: 6:42
